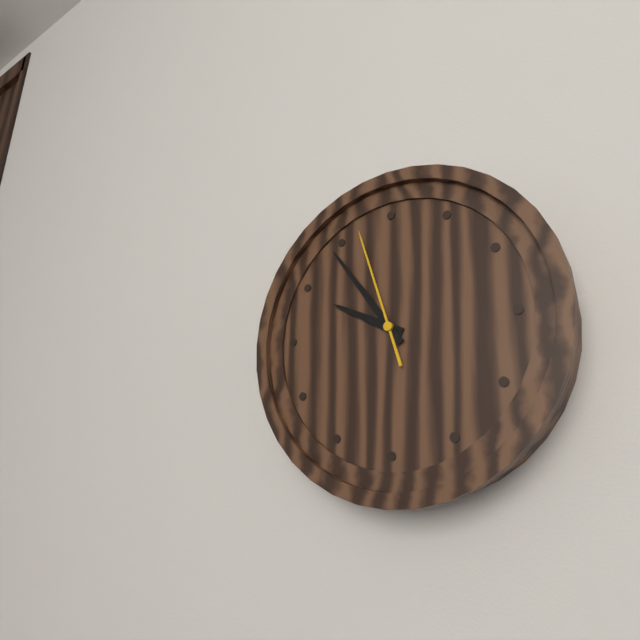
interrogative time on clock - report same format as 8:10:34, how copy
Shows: 9:54:57
